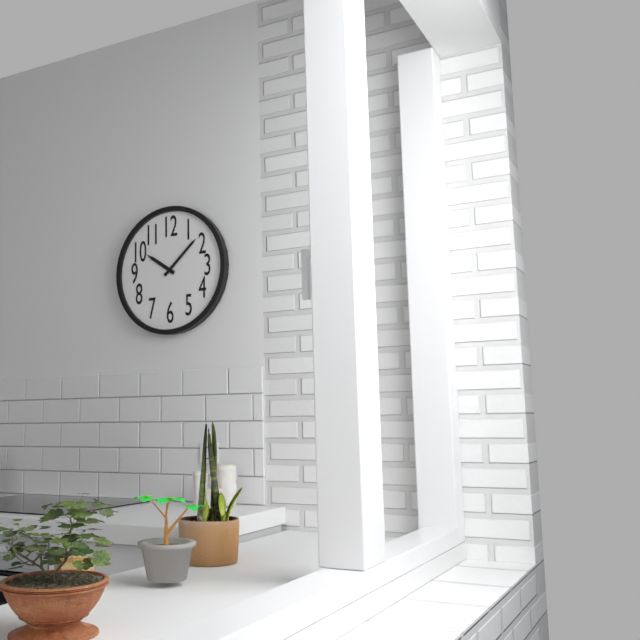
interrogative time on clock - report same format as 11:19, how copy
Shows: 10:08
